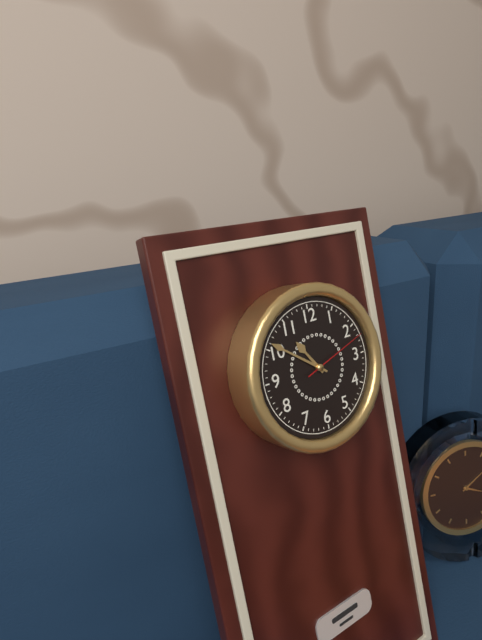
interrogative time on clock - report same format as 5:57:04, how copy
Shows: 10:51:12
